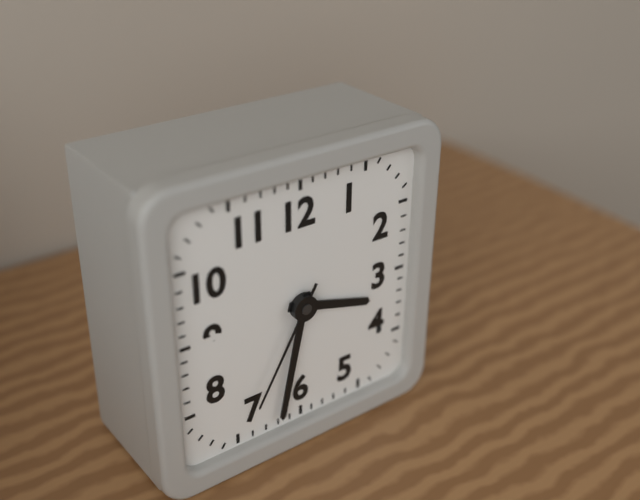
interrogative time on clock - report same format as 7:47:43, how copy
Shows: 3:32:35
